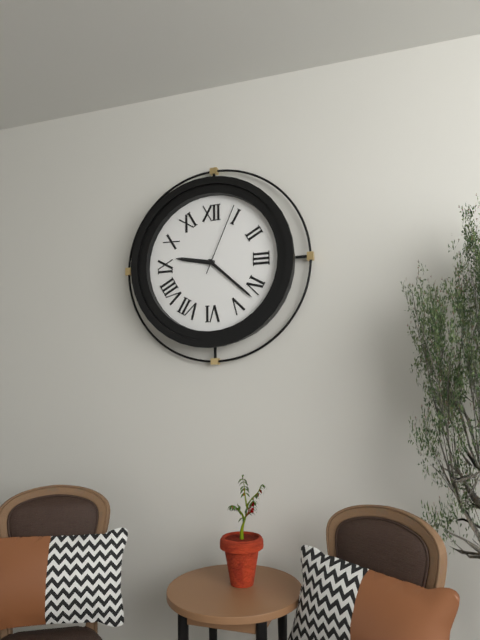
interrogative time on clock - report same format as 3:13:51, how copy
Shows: 9:22:04
